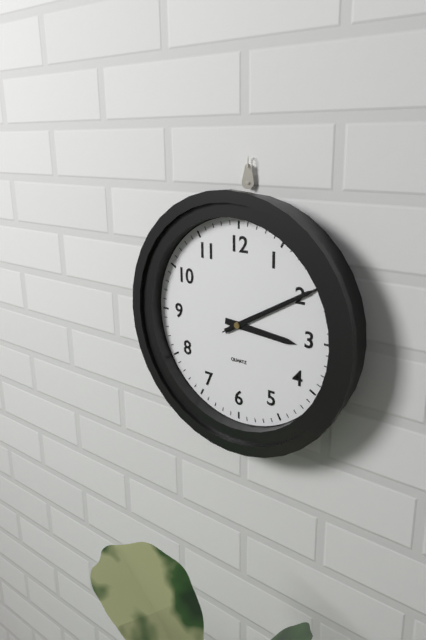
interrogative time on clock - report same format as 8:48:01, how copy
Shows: 3:10:10
